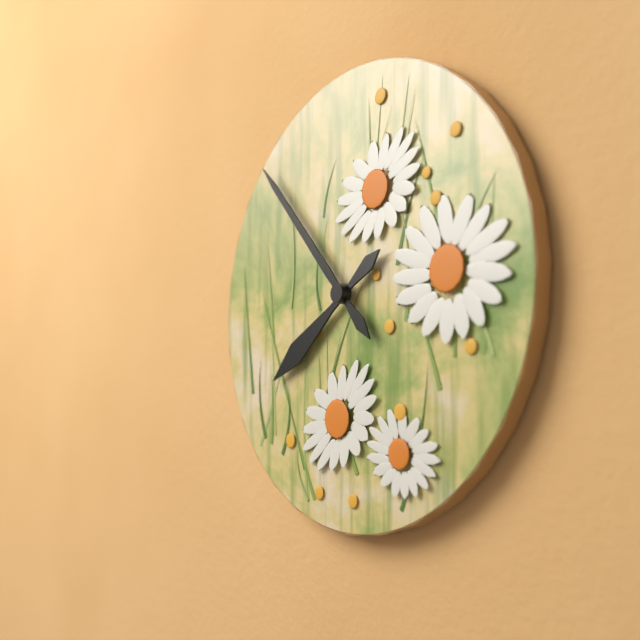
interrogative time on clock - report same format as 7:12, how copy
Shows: 7:53
